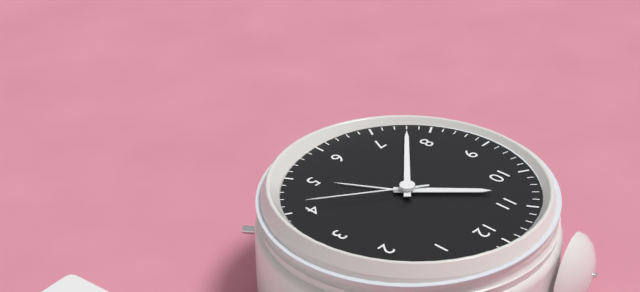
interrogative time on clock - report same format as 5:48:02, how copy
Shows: 10:38:21
